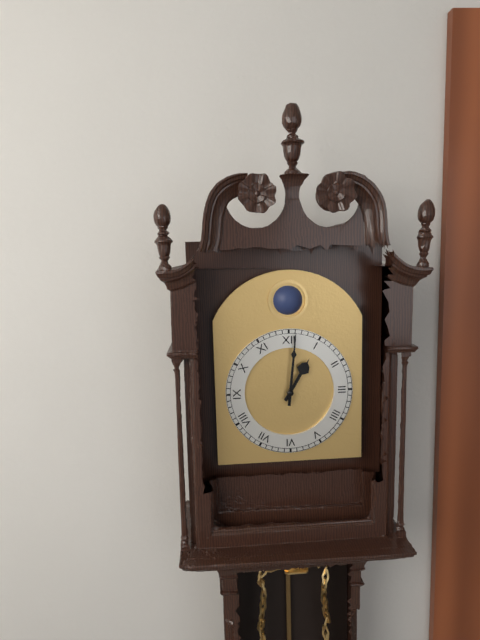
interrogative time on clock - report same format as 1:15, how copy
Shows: 1:01
